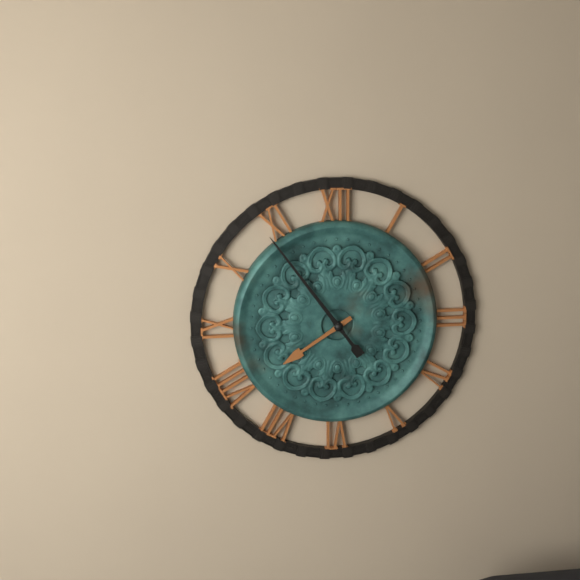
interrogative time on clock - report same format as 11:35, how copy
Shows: 7:54
